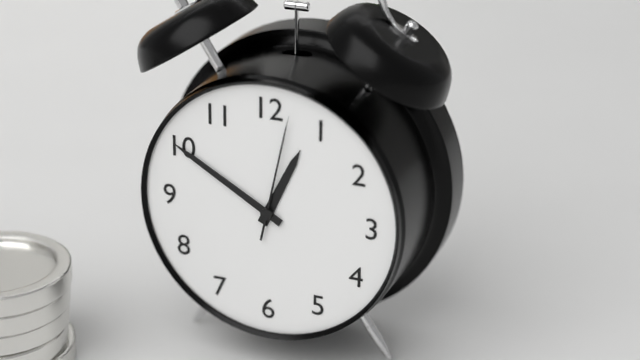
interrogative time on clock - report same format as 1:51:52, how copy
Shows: 12:50:02
